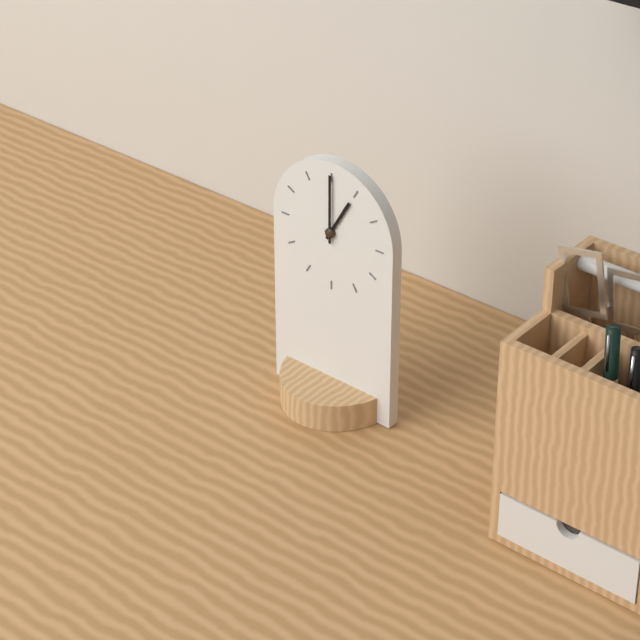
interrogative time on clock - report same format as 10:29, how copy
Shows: 1:00
